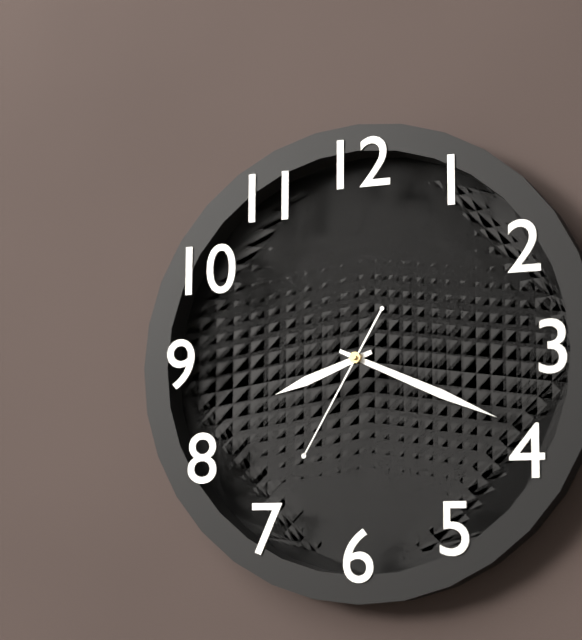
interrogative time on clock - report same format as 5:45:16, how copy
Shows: 8:19:35
